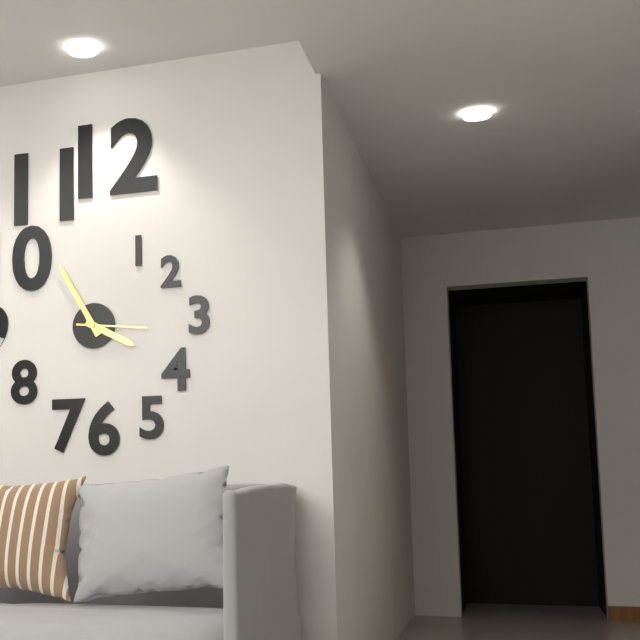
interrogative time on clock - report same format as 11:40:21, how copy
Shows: 3:55:16
